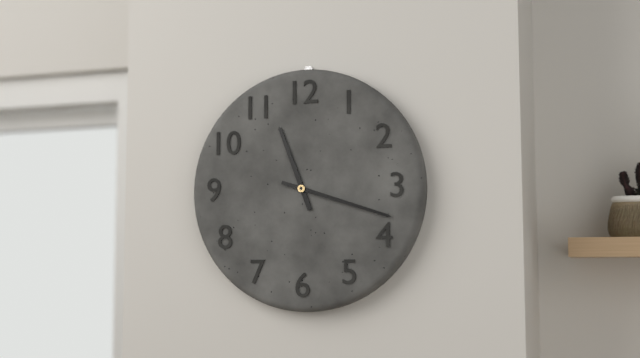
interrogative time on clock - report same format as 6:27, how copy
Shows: 11:18
